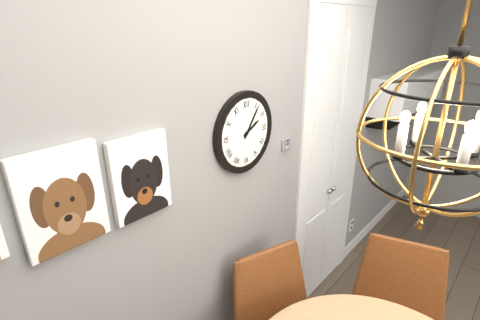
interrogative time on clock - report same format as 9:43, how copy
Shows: 2:06
